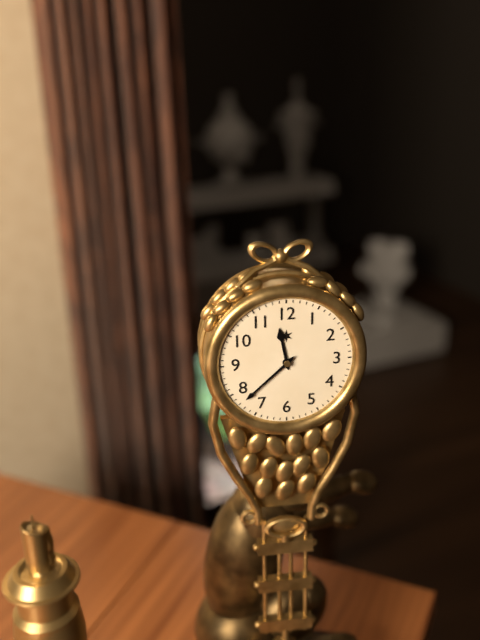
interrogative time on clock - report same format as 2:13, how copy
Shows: 11:38
